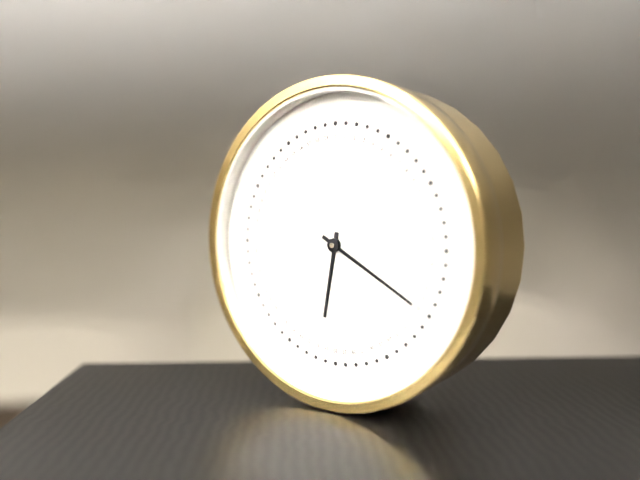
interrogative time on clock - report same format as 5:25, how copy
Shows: 6:20
